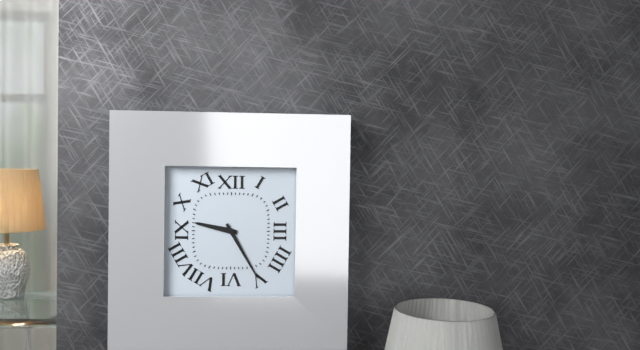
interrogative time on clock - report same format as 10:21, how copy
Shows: 9:25
